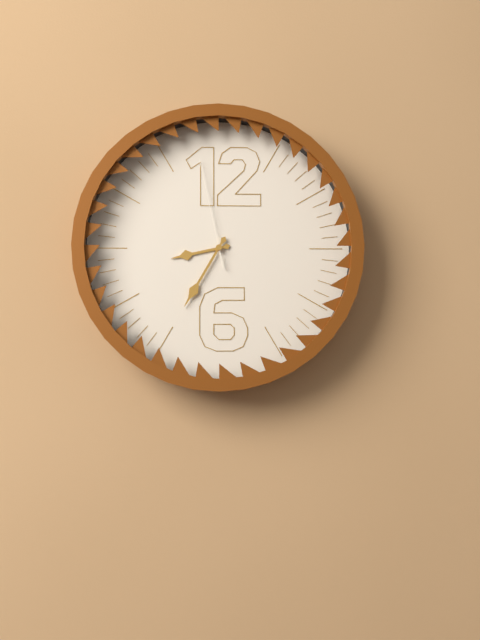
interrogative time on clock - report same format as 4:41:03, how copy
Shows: 8:35:58
